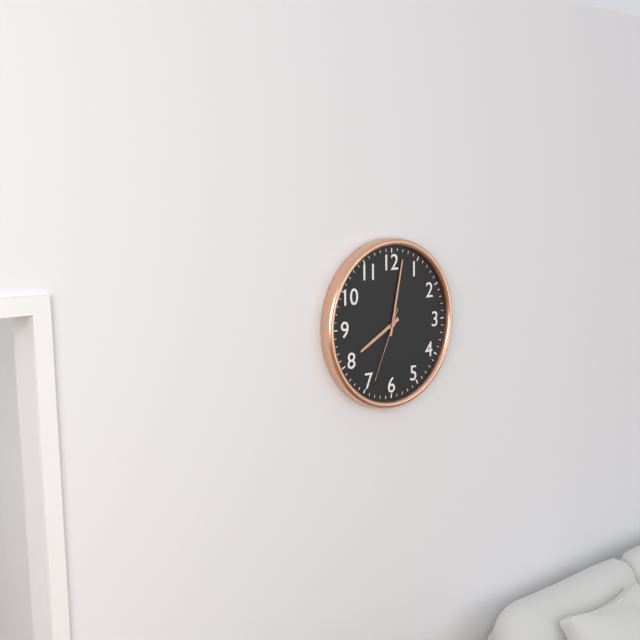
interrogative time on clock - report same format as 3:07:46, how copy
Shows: 8:02:34
